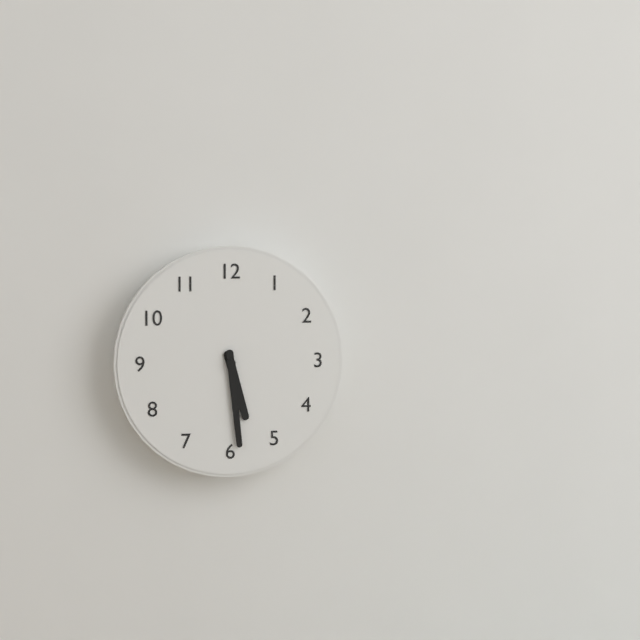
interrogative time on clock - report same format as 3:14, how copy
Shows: 5:29
